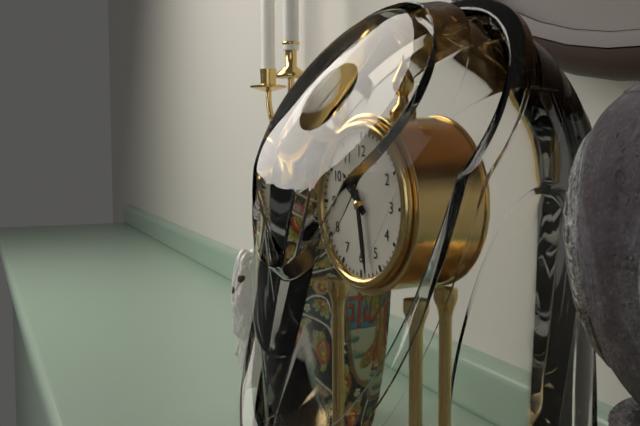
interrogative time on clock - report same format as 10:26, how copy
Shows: 10:28
